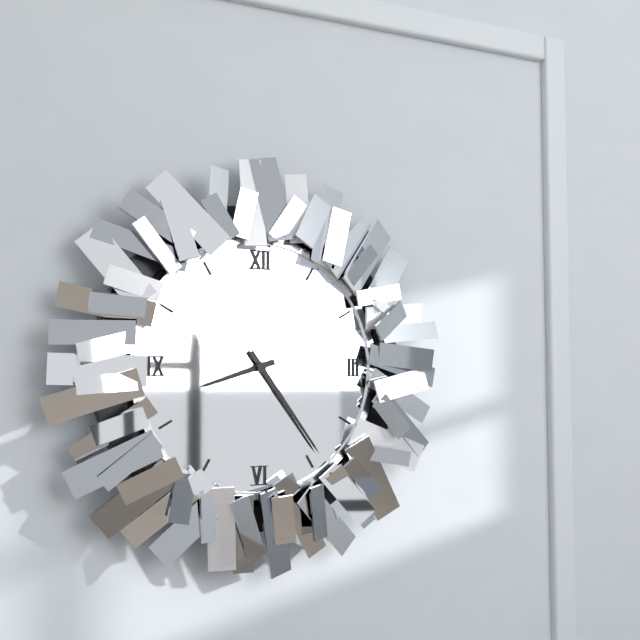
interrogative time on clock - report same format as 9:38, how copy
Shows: 8:24
